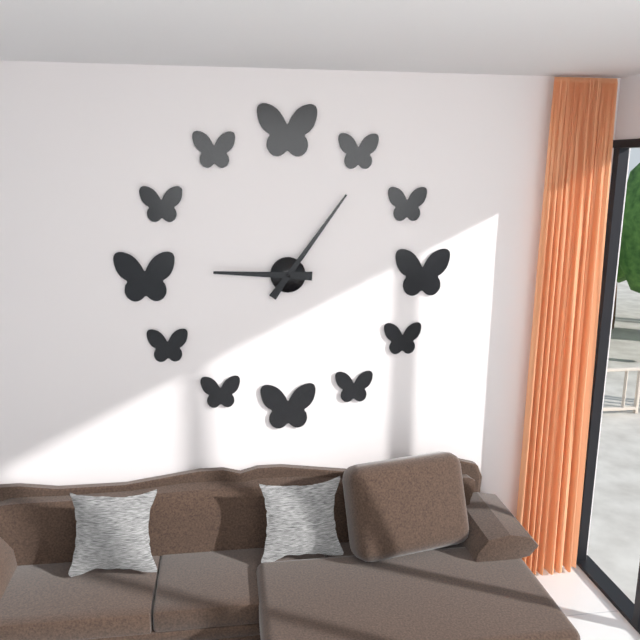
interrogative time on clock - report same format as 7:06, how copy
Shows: 9:06
